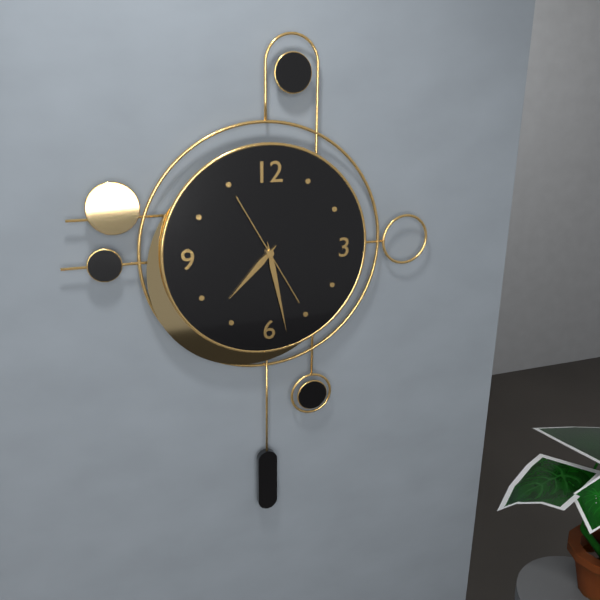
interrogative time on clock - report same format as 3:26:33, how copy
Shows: 7:28:55
